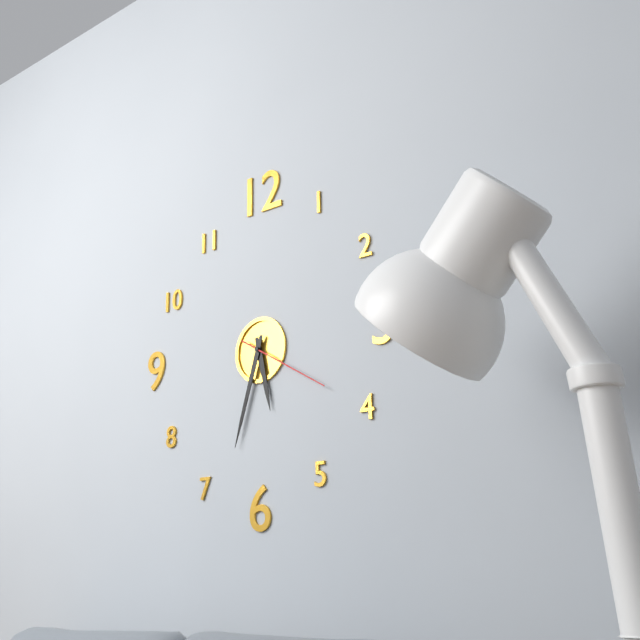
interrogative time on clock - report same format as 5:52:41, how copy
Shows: 5:33:20
